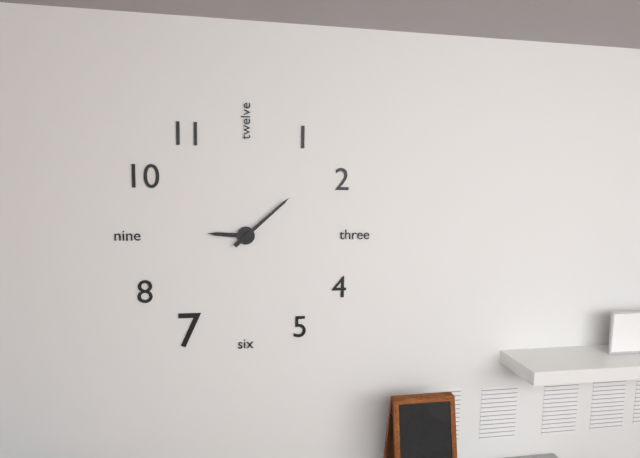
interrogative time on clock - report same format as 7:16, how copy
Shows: 9:08
